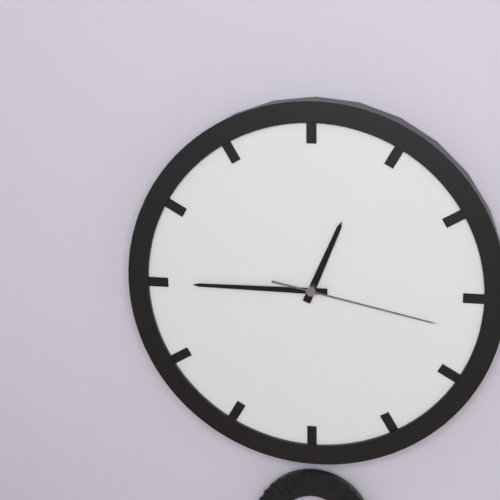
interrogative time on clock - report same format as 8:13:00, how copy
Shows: 12:45:17
